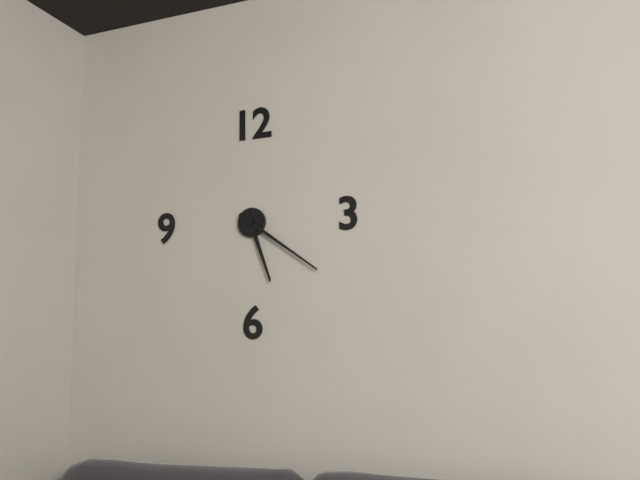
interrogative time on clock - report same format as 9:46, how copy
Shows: 5:21
